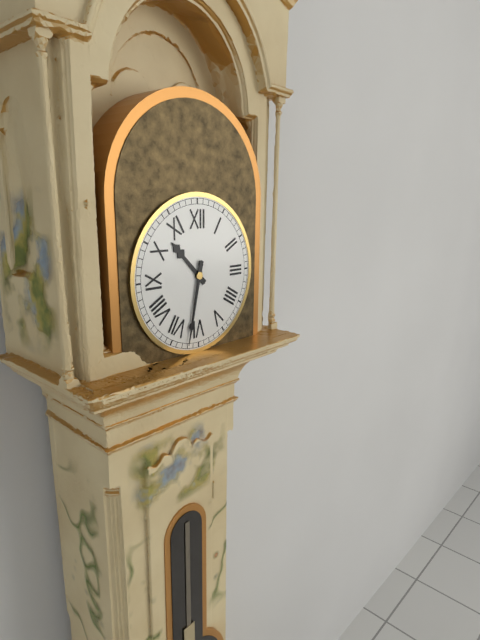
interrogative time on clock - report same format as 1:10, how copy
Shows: 10:32
